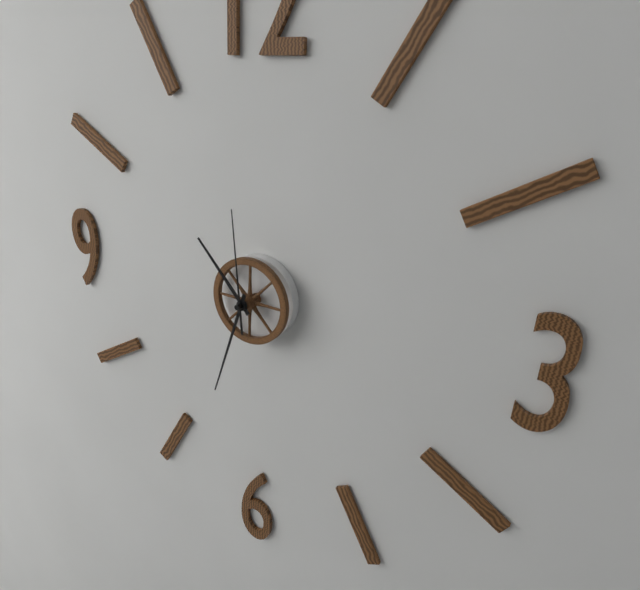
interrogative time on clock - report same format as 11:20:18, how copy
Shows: 10:33:59
